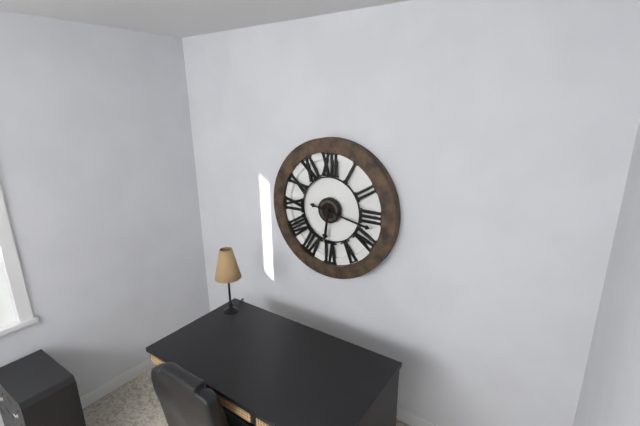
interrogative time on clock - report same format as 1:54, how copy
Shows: 6:17
